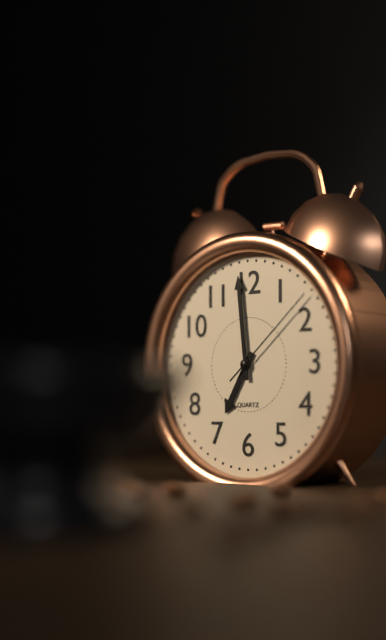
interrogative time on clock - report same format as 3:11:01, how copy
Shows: 6:59:08
